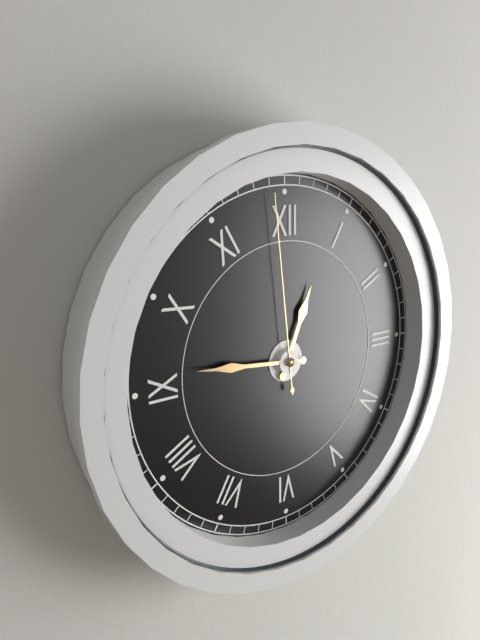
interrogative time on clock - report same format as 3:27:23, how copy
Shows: 12:46:59
